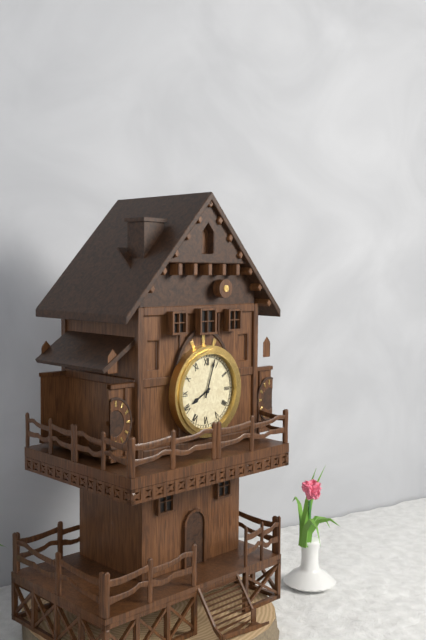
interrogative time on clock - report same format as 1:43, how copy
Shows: 8:03
